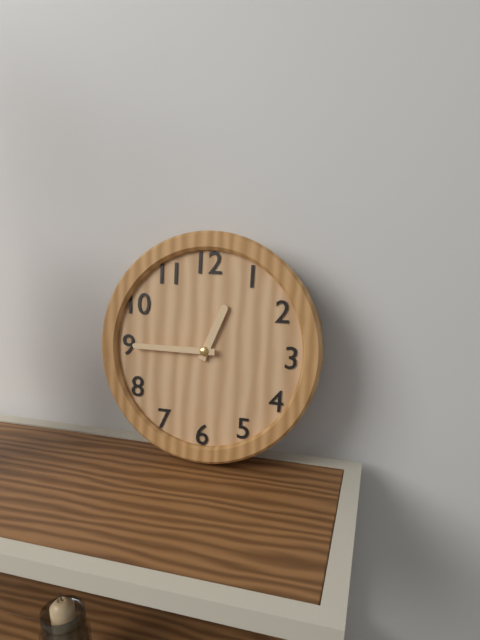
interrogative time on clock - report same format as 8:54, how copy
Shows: 12:45
